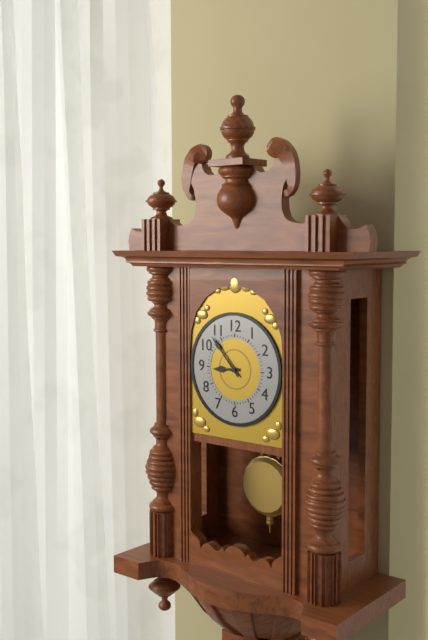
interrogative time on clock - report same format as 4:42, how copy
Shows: 8:53
